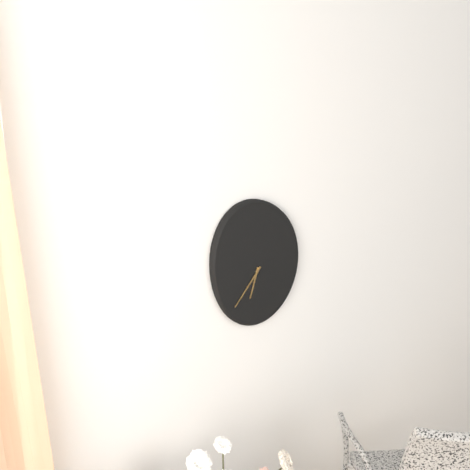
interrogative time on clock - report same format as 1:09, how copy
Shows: 6:37
